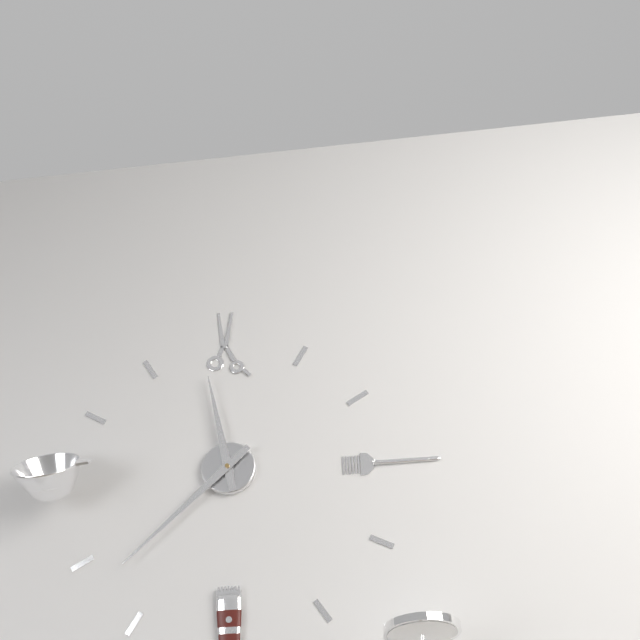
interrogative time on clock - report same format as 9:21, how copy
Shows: 11:38
